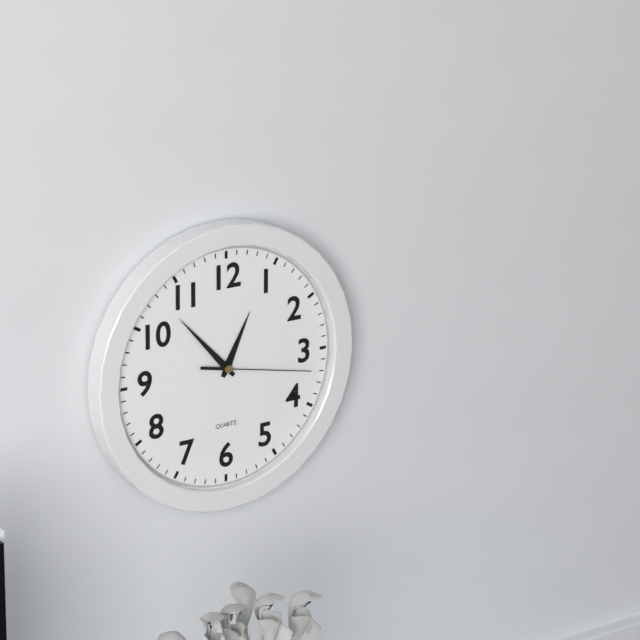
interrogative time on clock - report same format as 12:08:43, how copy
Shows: 12:53:17
